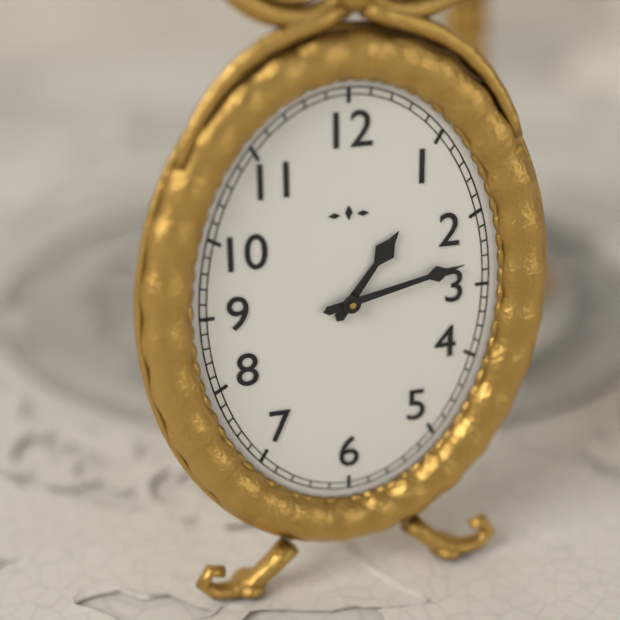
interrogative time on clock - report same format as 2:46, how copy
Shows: 1:13
